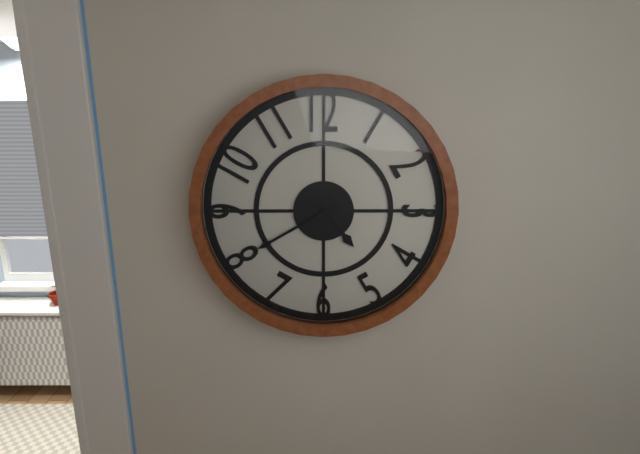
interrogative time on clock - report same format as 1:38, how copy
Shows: 4:40
